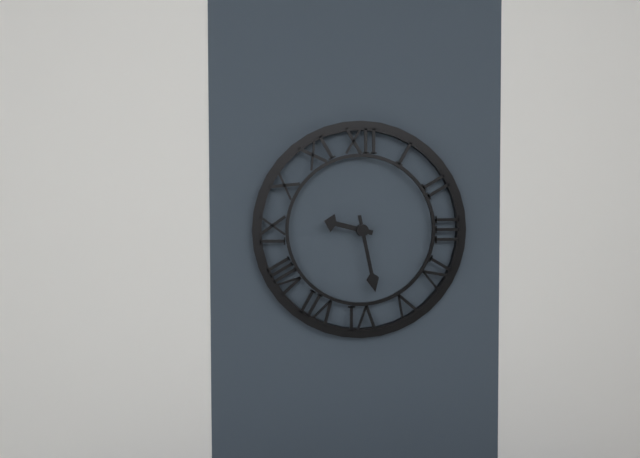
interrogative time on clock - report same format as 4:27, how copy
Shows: 9:28
